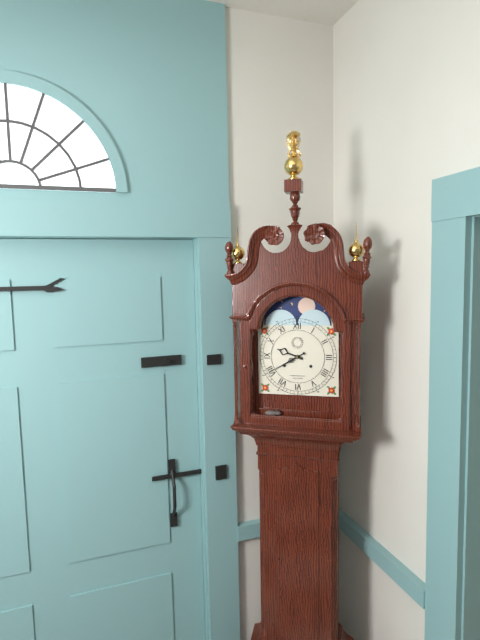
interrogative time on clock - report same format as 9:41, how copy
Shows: 9:40
